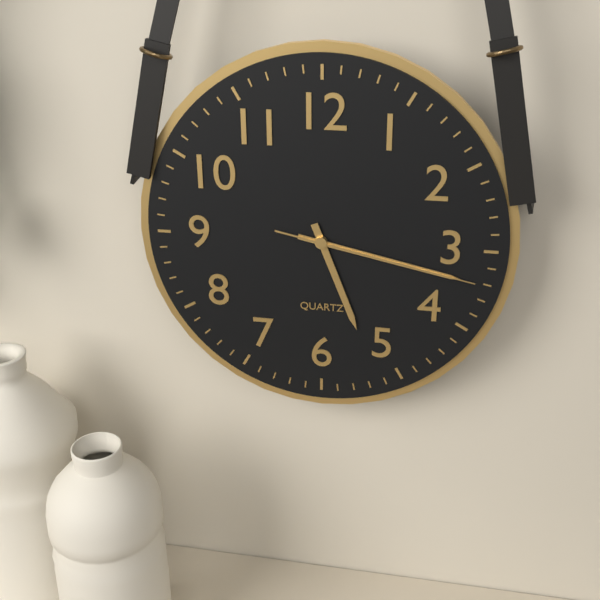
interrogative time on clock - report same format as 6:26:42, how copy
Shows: 5:17:17
